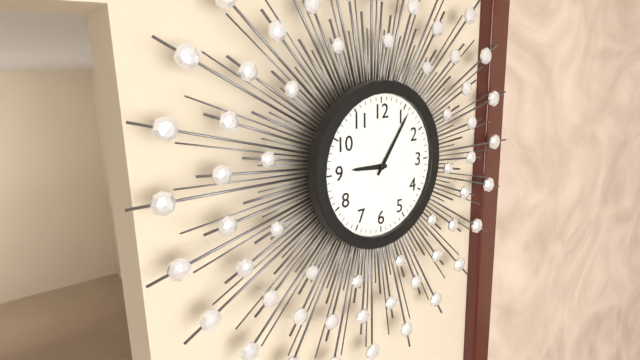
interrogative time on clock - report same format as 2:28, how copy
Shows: 9:06
